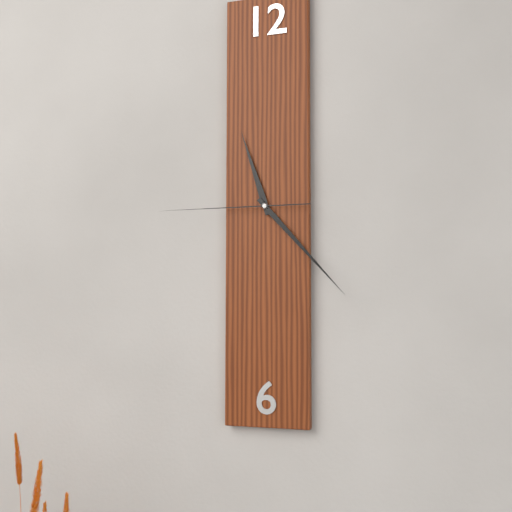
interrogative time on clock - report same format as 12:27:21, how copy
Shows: 11:23:45
